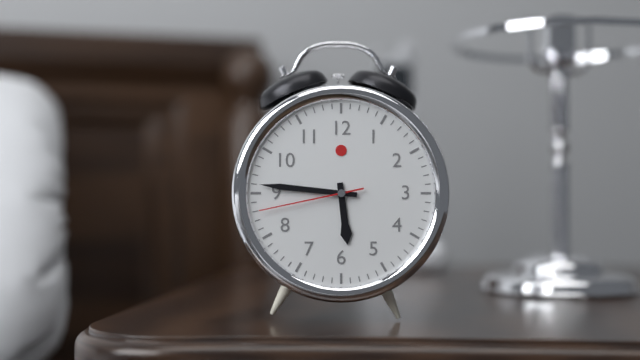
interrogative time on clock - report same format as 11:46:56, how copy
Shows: 5:46:43
